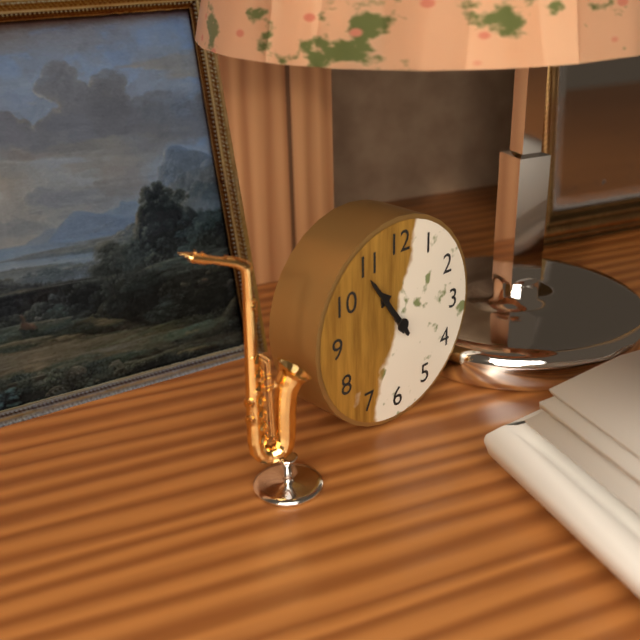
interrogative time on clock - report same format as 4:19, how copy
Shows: 10:54
